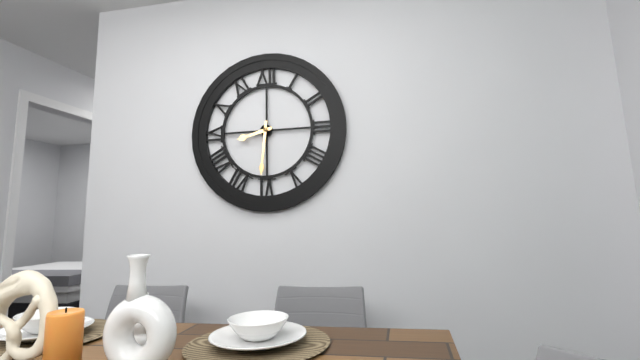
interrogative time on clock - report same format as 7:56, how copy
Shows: 8:31
